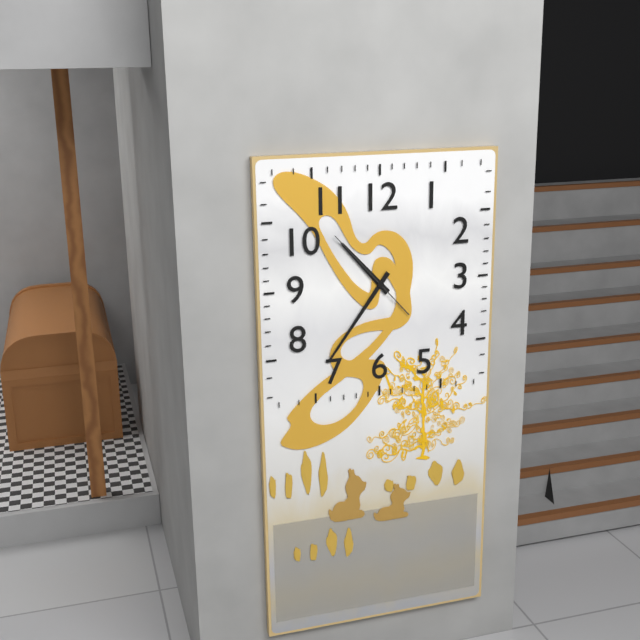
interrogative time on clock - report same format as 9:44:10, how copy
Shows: 10:36:53
